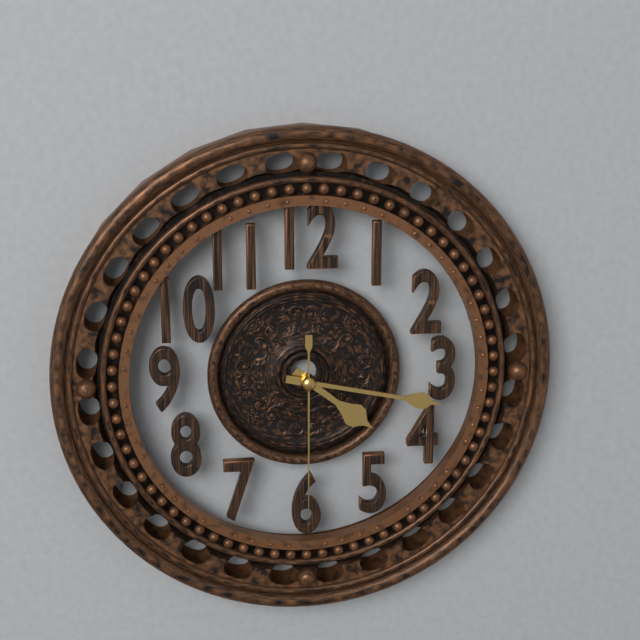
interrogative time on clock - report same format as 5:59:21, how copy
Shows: 4:17:30
